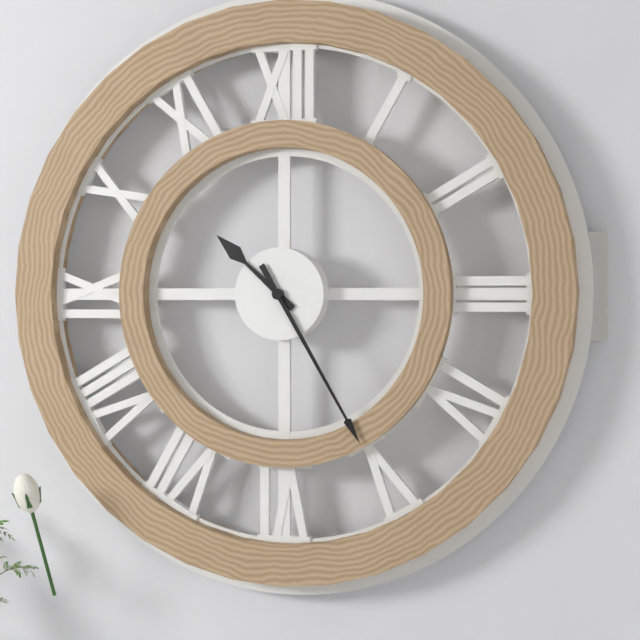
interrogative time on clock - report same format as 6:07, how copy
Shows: 10:25
